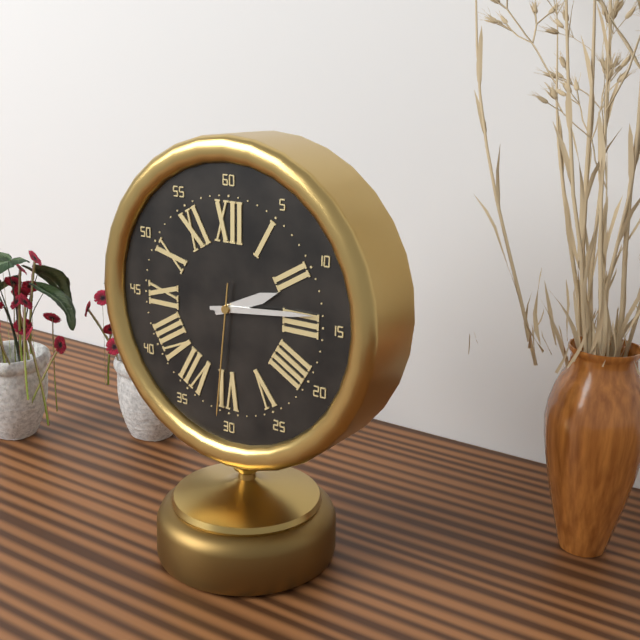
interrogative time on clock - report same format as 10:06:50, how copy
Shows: 2:14:31
